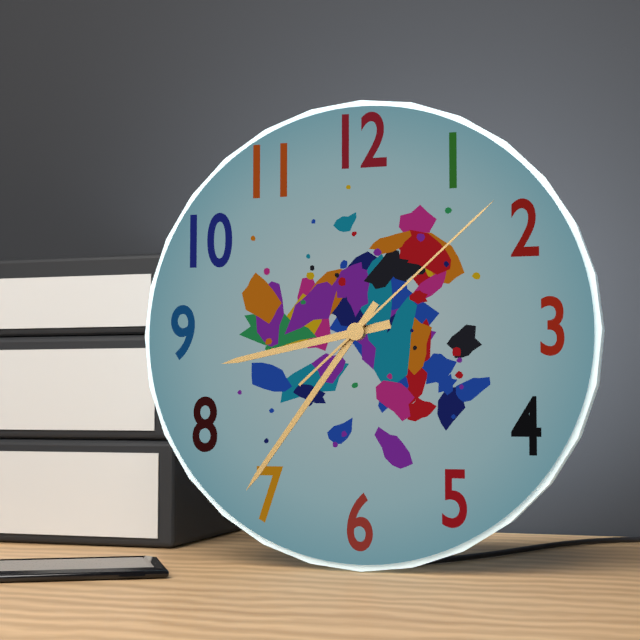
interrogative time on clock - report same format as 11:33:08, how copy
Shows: 8:36:08
